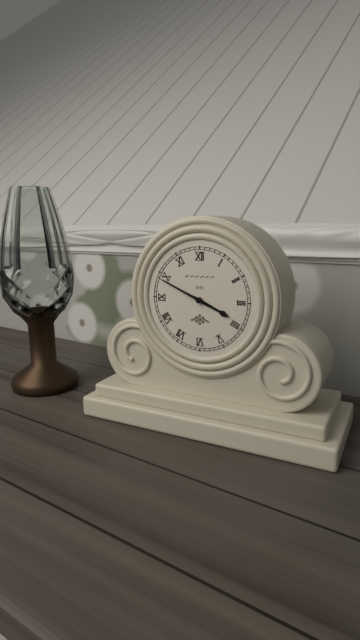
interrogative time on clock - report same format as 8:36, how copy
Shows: 3:49
